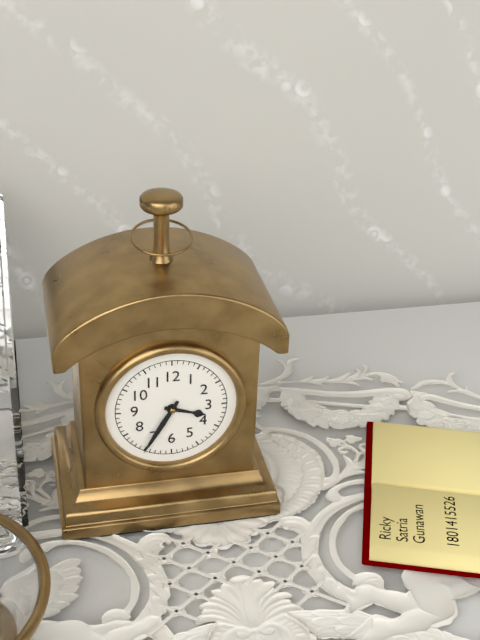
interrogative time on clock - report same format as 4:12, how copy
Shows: 3:35
